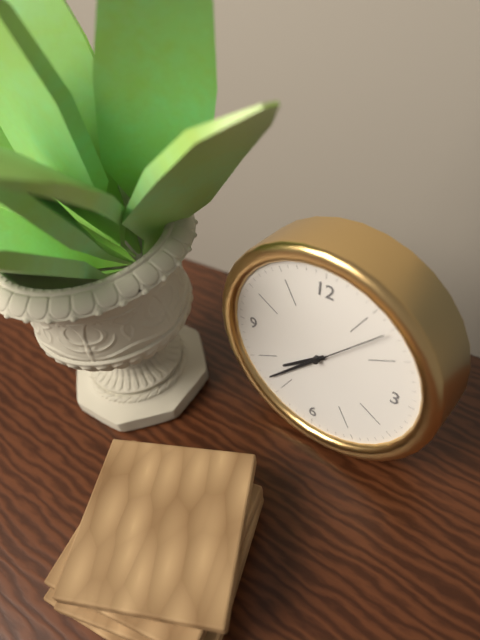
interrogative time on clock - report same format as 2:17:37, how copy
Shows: 7:37:07
